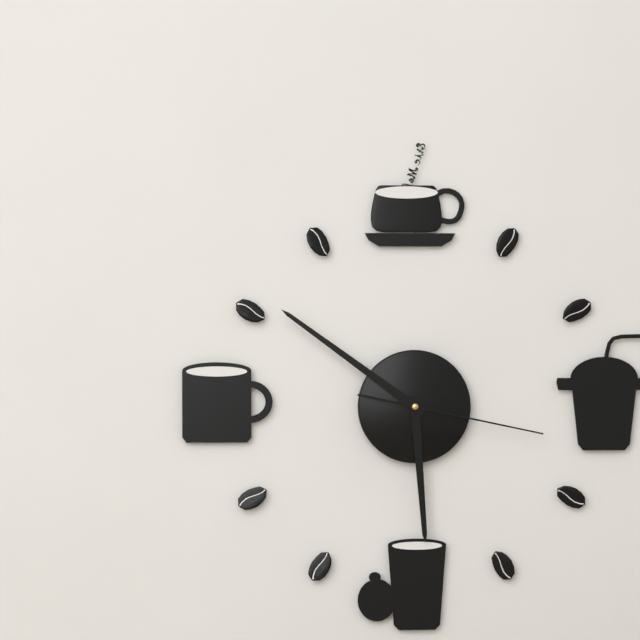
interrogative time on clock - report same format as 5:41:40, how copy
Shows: 5:51:17
